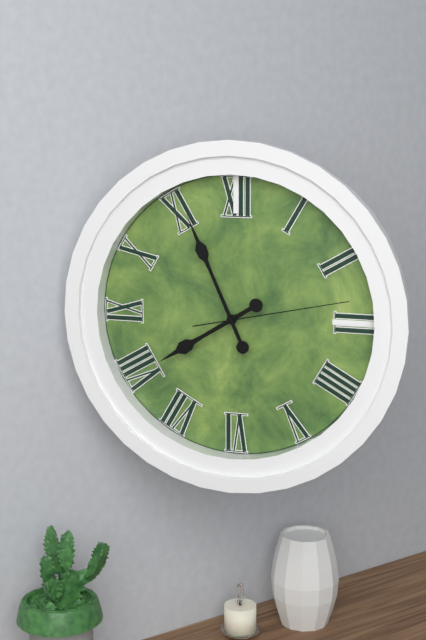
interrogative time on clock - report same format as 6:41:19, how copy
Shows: 7:56:13
